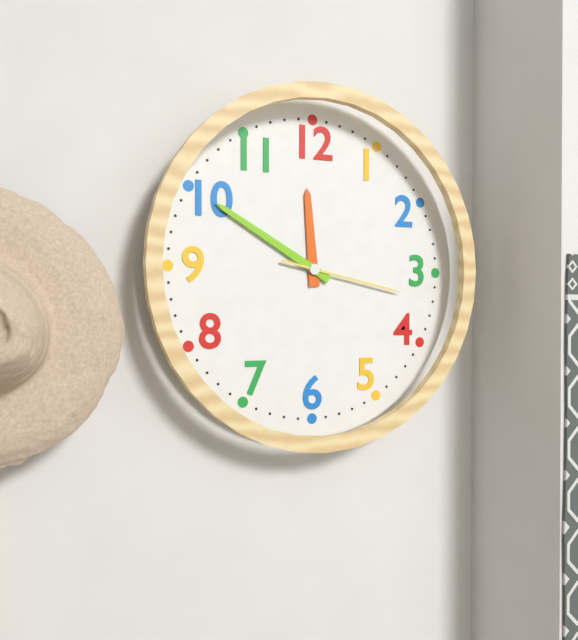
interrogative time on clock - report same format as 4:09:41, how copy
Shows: 11:50:17
